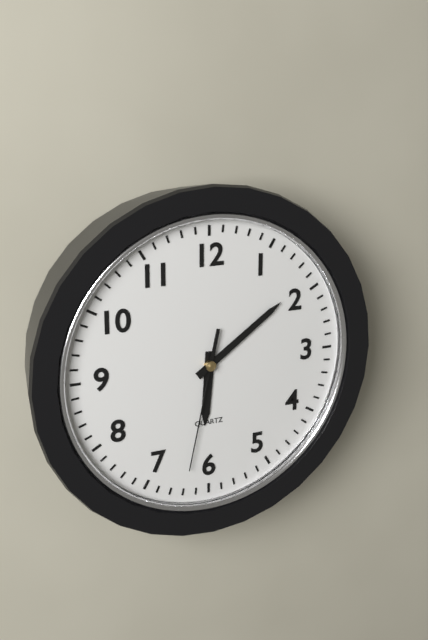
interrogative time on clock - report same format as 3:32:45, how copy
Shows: 6:09:32
